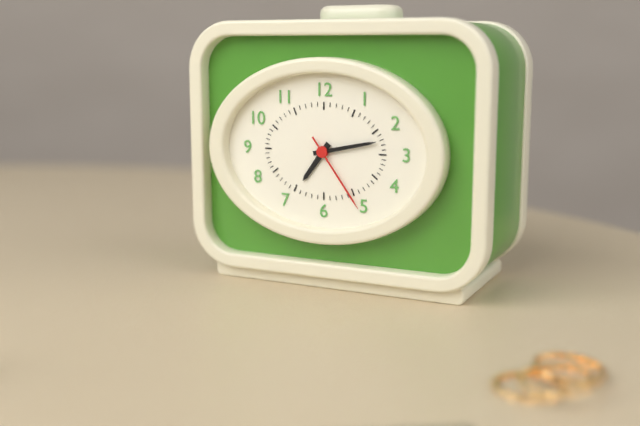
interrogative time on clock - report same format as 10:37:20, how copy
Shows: 7:13:24
